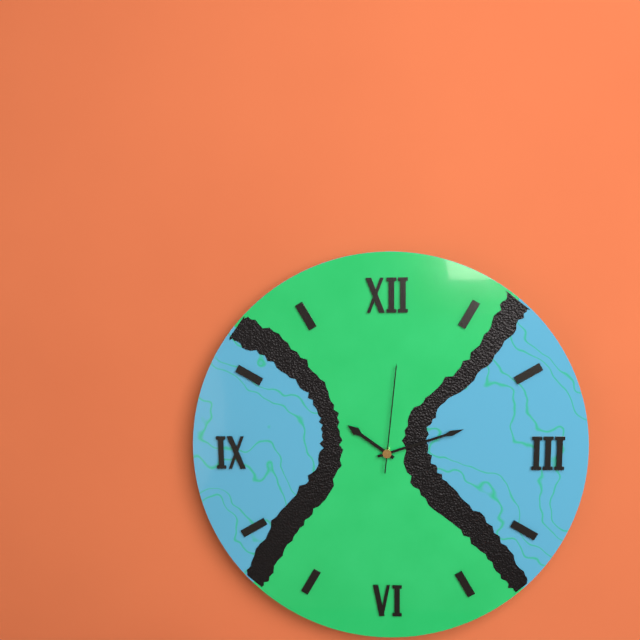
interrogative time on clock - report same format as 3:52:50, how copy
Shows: 10:12:01
